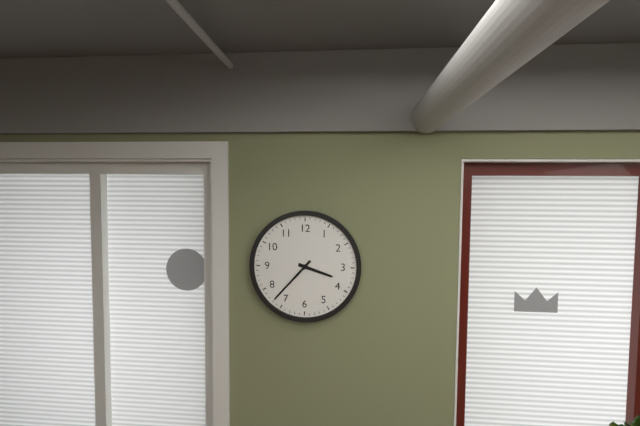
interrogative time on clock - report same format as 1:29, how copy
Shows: 3:37
